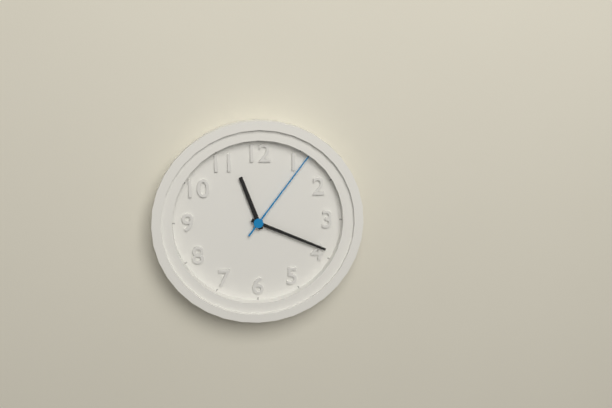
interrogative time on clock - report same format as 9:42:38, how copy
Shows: 11:19:06
